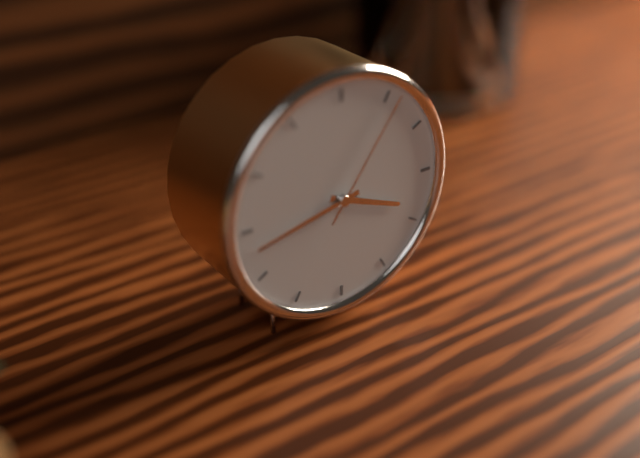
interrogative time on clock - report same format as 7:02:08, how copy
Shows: 3:43:06
